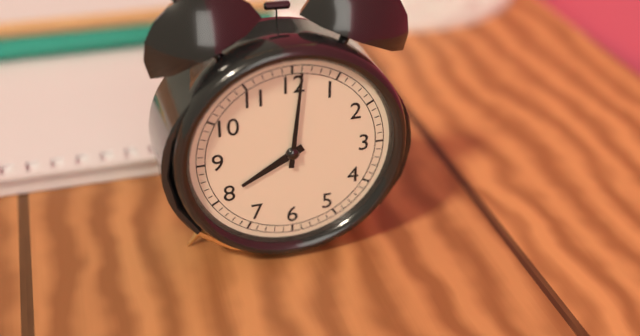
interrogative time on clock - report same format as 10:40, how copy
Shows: 8:01
